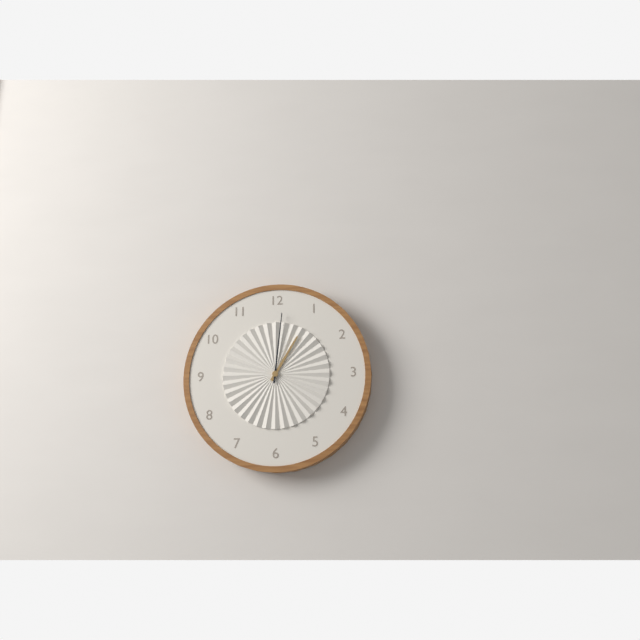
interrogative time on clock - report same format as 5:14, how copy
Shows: 1:01
